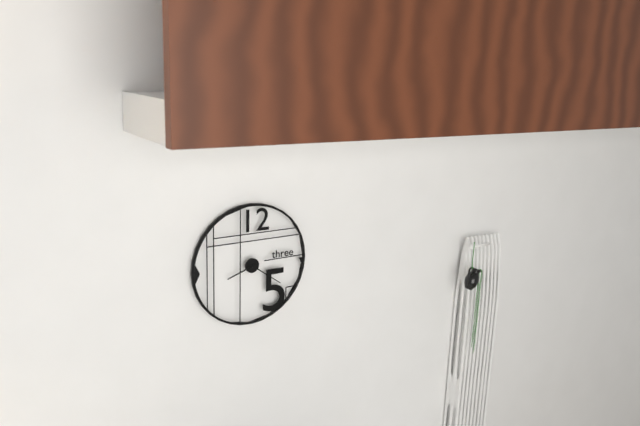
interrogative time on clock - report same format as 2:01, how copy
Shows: 8:21
